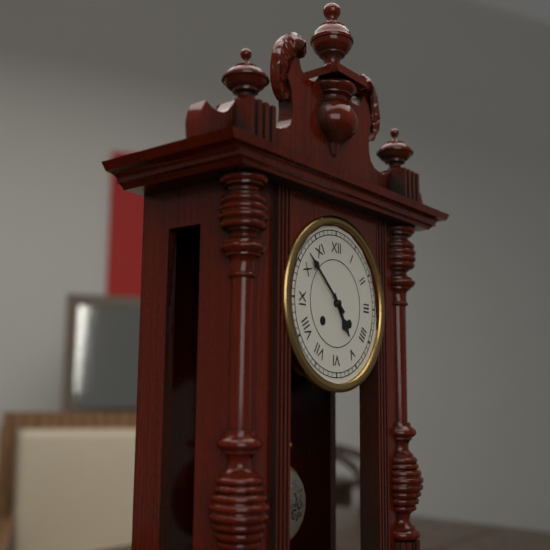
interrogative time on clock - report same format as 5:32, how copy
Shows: 4:52
